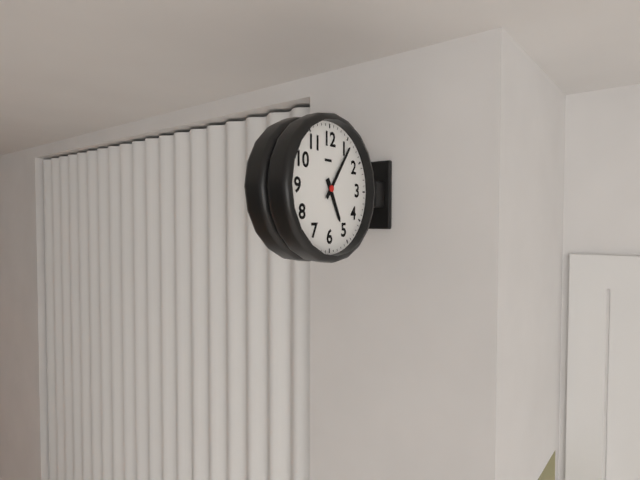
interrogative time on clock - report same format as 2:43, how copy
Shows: 5:06
